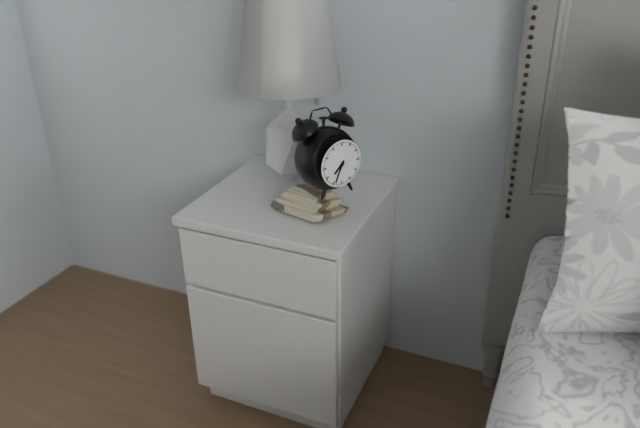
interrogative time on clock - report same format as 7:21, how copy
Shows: 7:34
